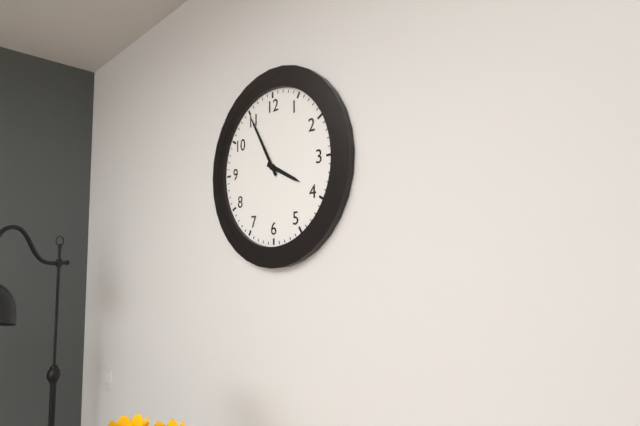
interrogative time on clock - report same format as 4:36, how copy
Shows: 3:55
